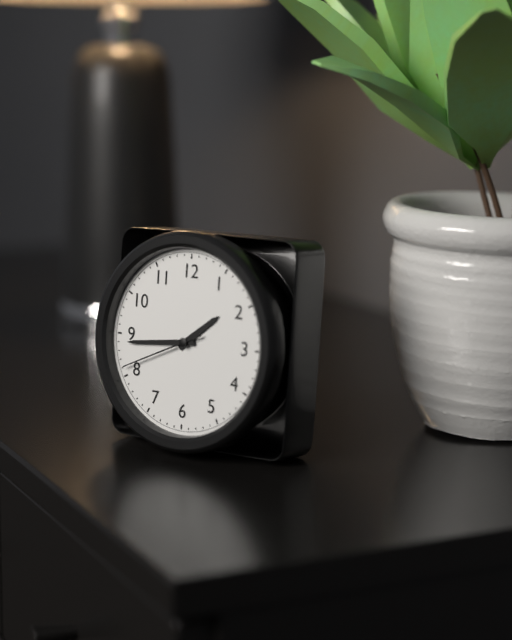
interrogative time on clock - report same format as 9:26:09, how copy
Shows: 1:44:41
